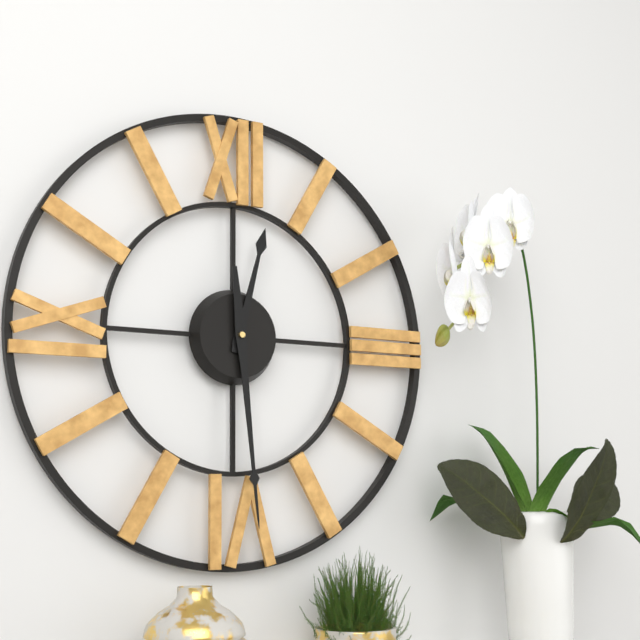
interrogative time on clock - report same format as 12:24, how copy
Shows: 12:29
